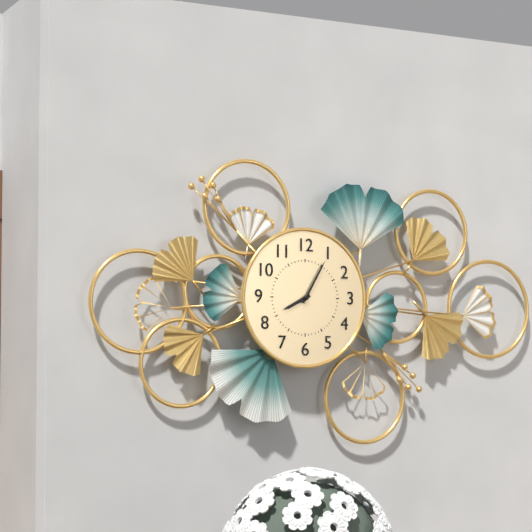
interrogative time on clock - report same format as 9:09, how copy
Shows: 8:05
